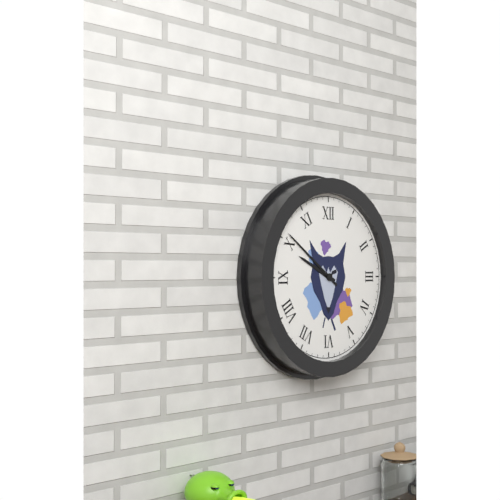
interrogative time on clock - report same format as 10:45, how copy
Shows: 9:51
